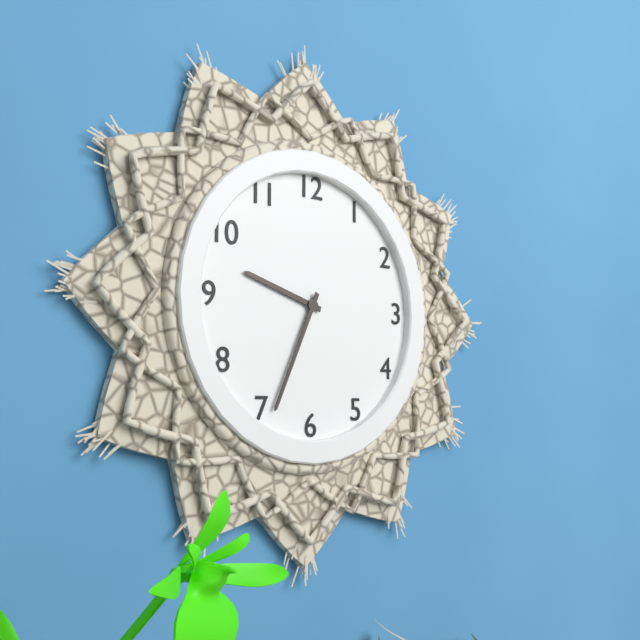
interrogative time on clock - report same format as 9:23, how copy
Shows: 9:34
